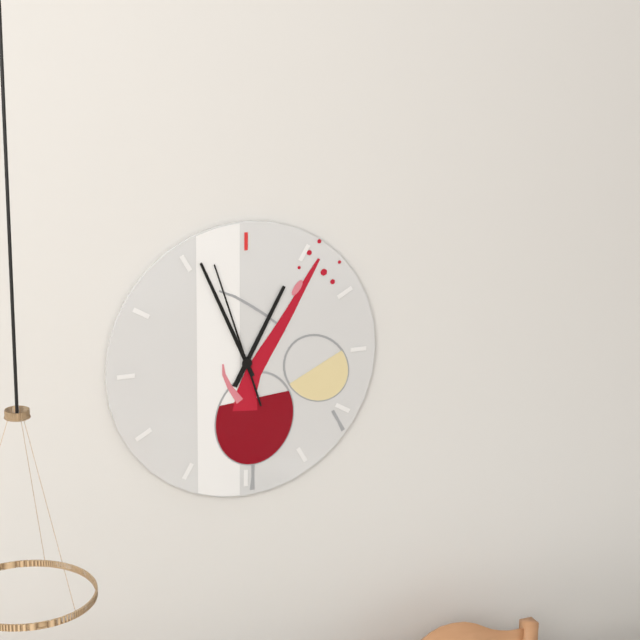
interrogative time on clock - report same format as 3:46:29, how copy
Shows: 12:56:57
